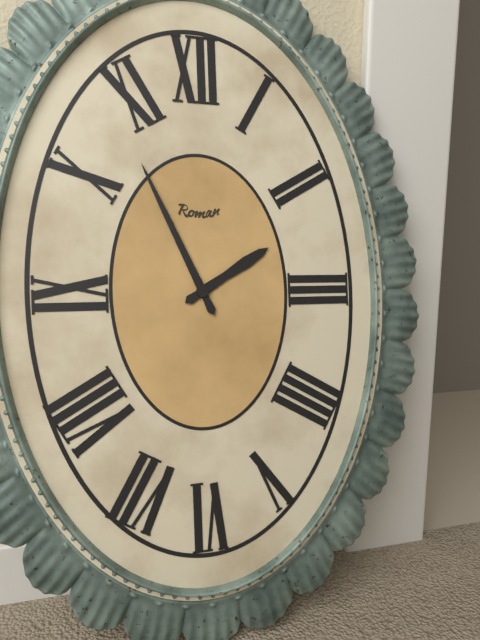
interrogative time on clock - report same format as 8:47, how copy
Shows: 1:56
